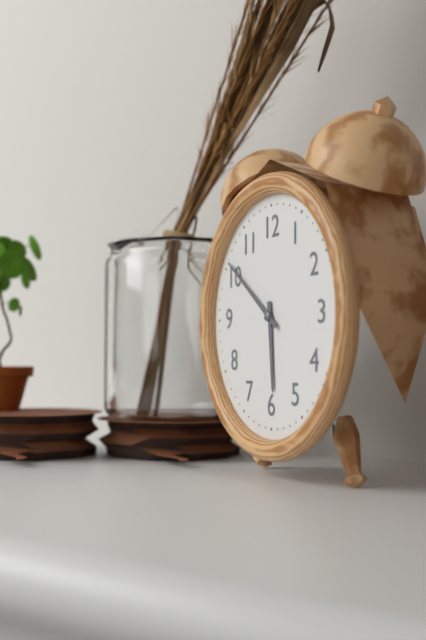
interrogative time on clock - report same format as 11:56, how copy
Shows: 5:51
